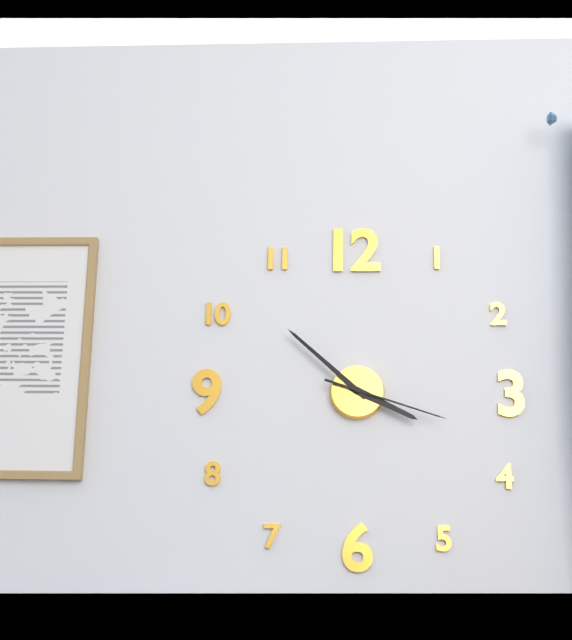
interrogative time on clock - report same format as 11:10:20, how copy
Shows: 3:52:18
